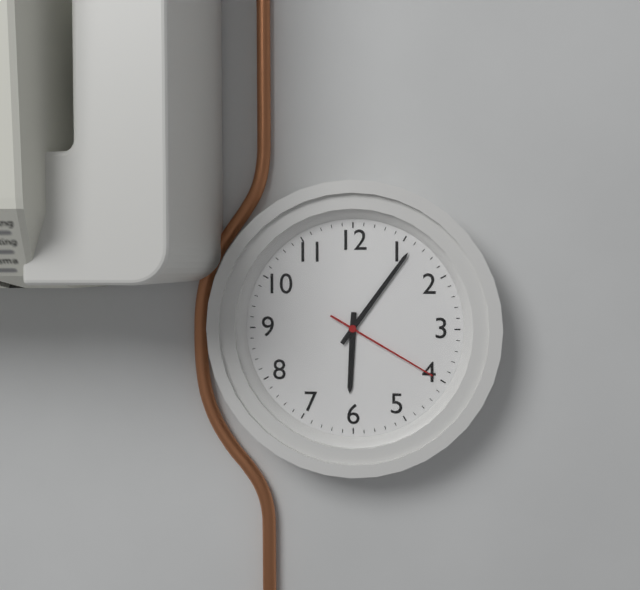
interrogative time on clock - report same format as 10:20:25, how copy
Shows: 6:06:20
